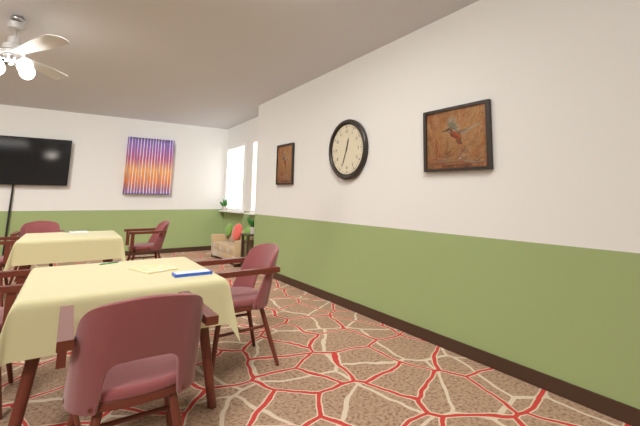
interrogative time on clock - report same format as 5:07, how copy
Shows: 12:34
